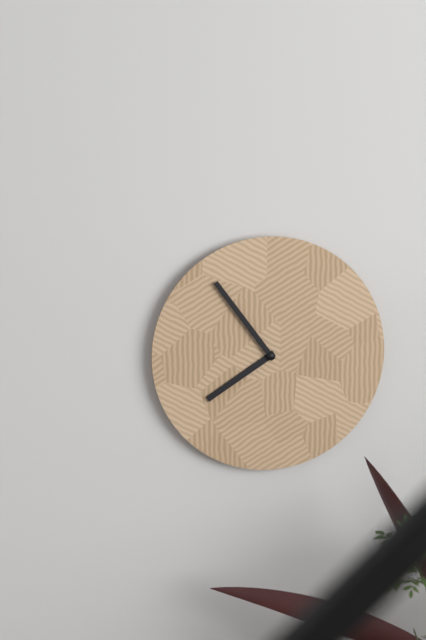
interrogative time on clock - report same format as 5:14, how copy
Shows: 7:54
